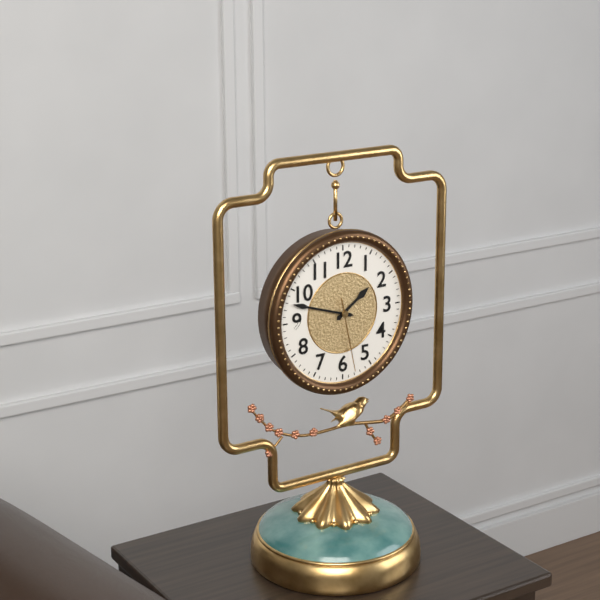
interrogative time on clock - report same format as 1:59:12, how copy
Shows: 1:48:28
